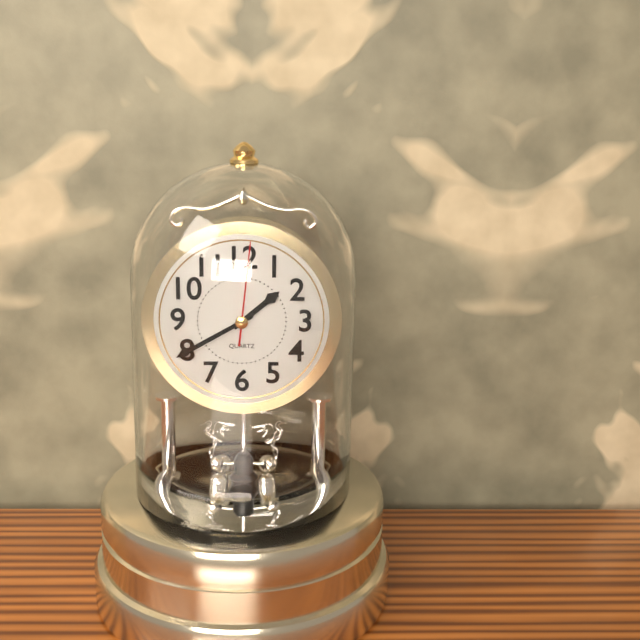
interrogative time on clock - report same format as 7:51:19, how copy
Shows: 1:40:01
